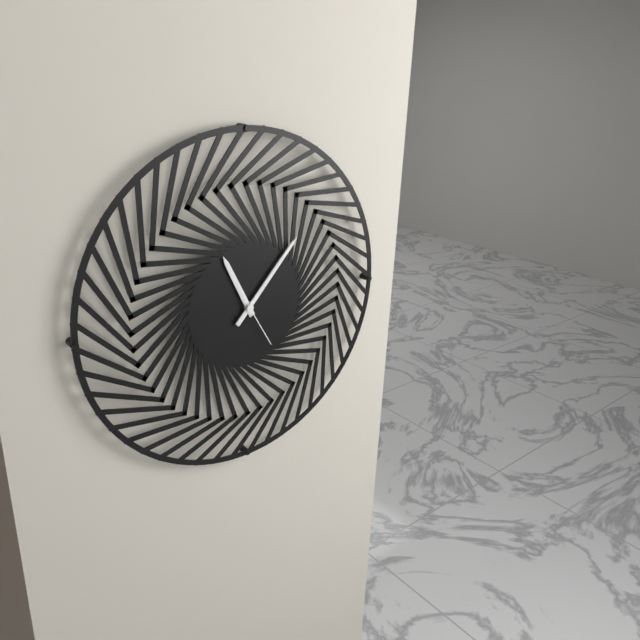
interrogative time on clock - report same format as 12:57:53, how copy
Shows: 11:07:25
